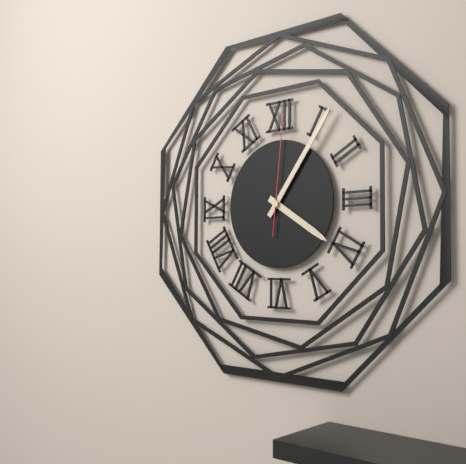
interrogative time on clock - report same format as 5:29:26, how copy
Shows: 4:06:01
